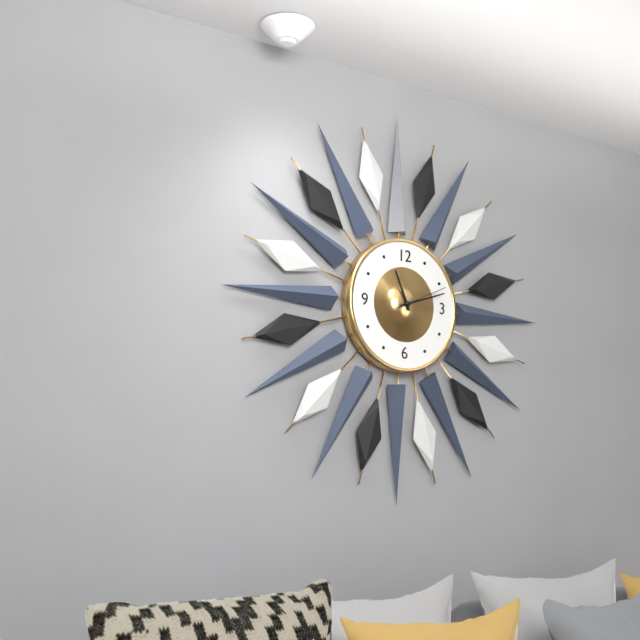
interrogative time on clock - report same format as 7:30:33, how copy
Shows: 11:12:11
